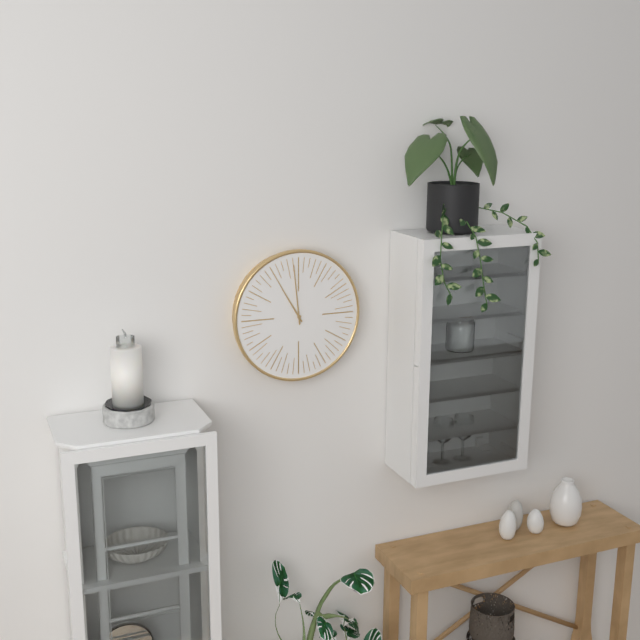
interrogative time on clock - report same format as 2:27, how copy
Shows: 10:59
